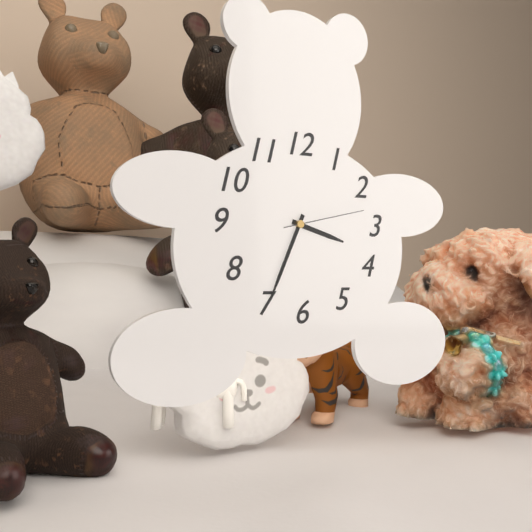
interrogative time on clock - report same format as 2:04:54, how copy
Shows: 3:34:13
